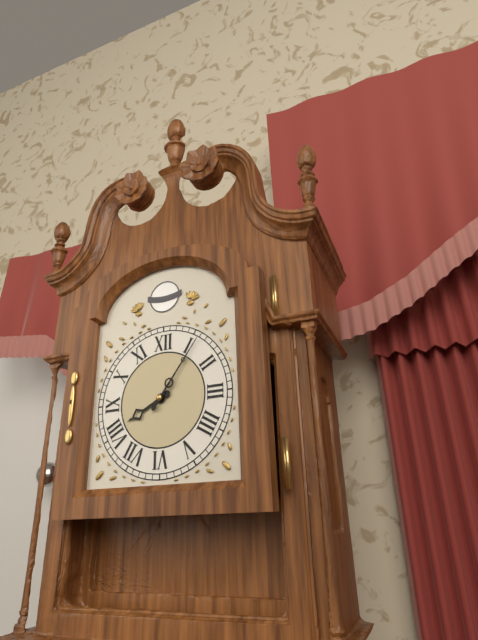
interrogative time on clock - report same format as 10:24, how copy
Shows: 8:06
